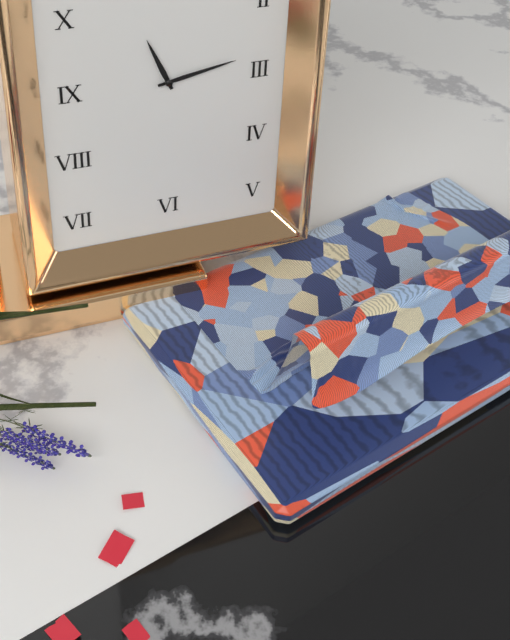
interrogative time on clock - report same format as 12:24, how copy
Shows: 11:13
